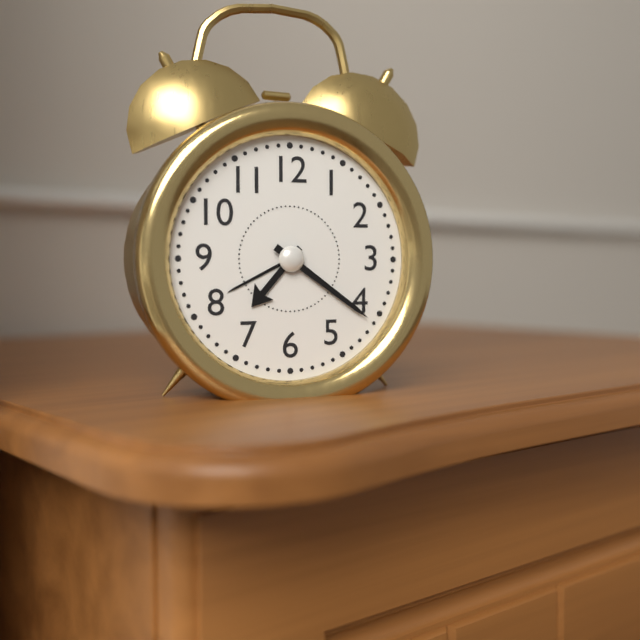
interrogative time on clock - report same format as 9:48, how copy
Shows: 7:21
